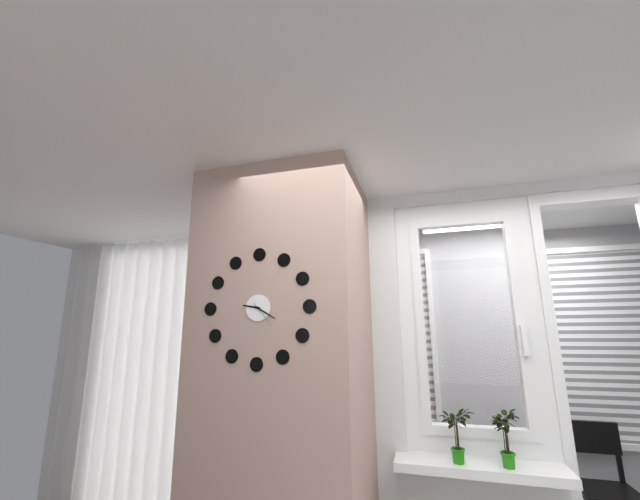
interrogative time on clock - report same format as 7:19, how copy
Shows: 9:20
